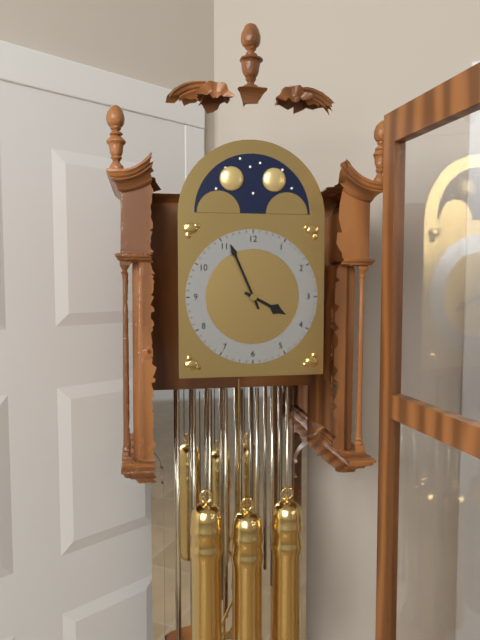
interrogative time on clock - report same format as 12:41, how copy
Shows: 3:56
